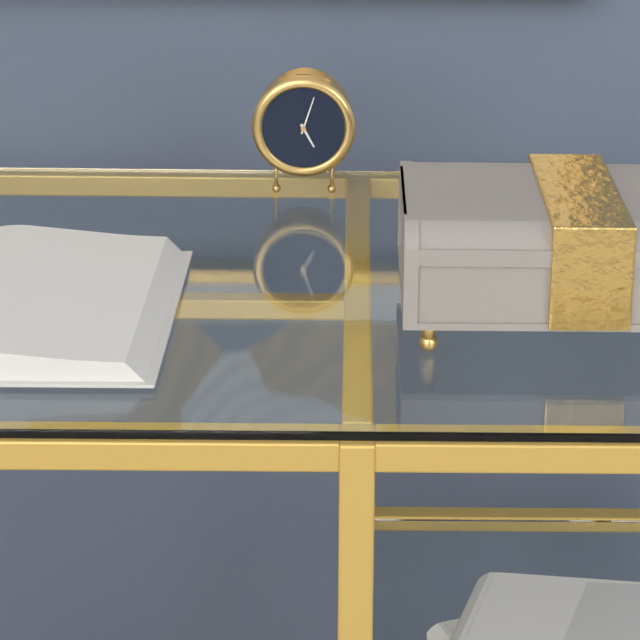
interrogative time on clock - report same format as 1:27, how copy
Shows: 5:03
